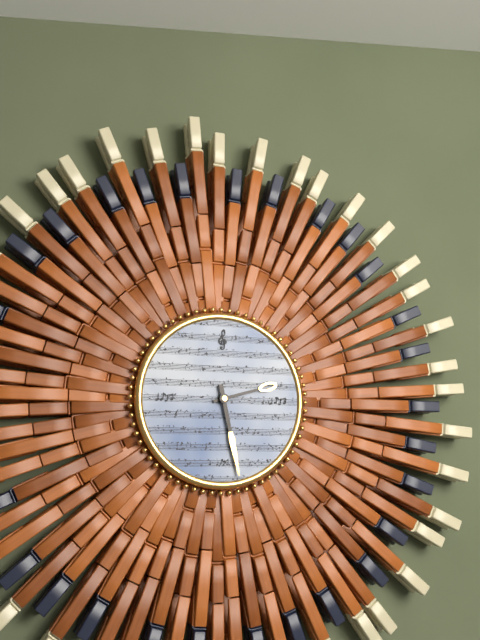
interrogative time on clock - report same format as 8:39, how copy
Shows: 2:28
